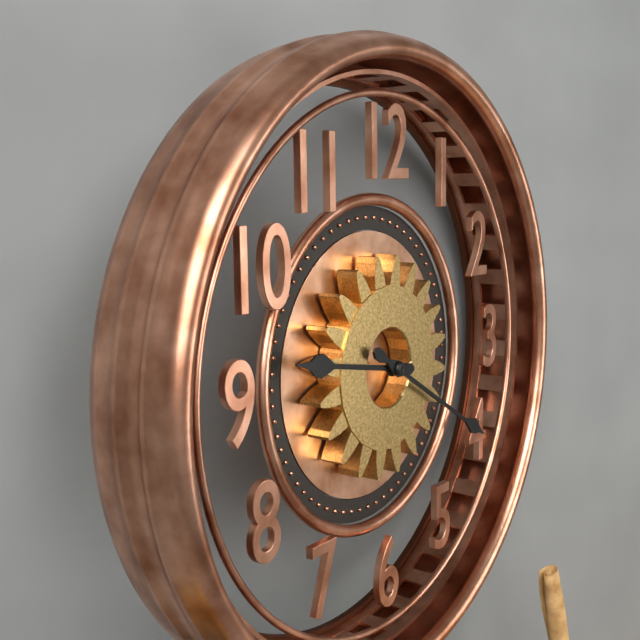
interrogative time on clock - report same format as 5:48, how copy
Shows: 9:20
